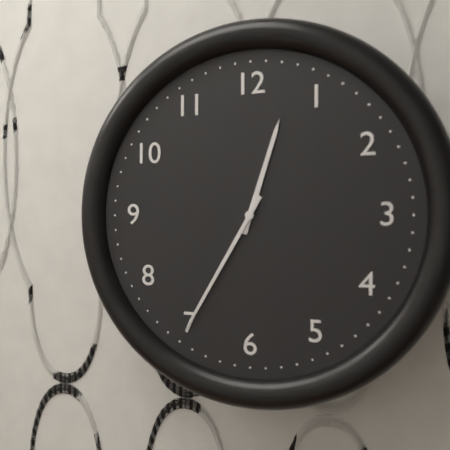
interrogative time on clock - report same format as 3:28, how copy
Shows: 12:35
